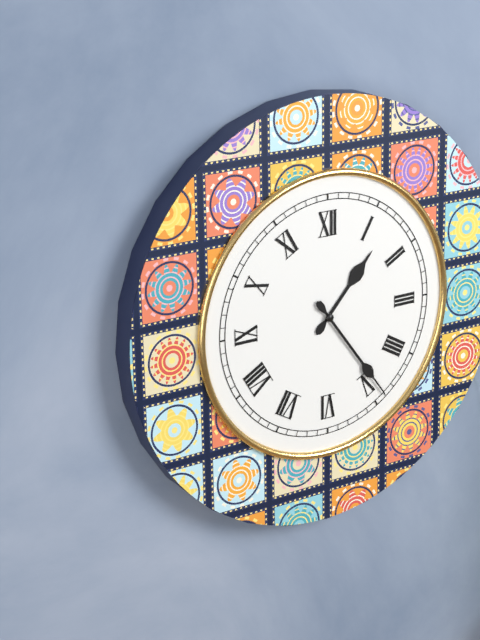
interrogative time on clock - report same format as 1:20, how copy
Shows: 1:24
